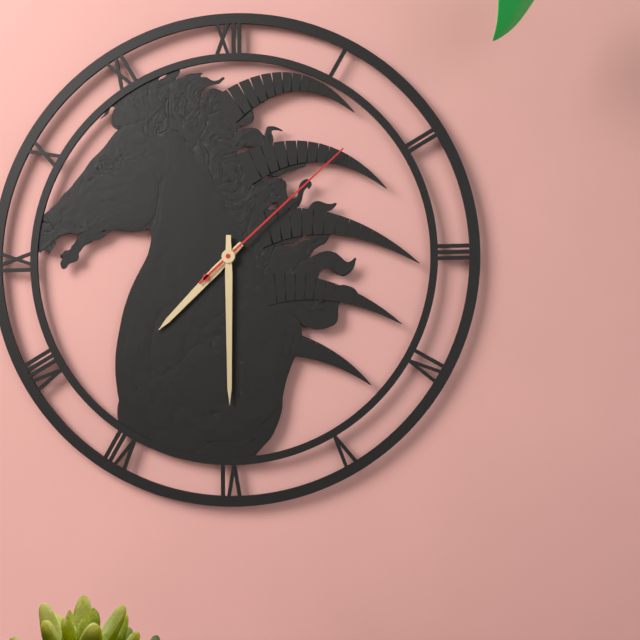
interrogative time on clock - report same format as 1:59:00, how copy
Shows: 7:30:08
